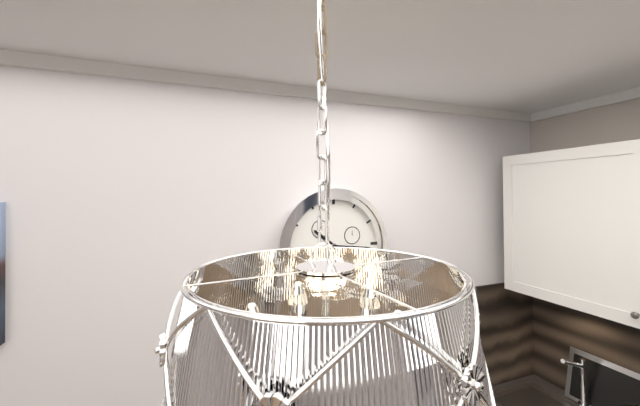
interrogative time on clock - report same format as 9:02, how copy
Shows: 10:16
